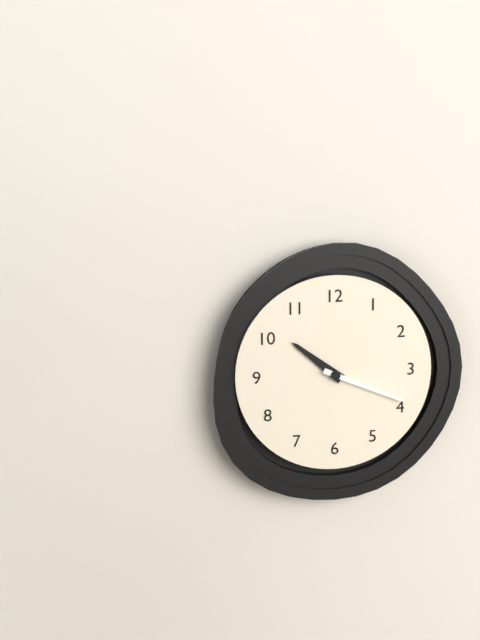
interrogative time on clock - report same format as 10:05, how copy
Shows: 10:19
